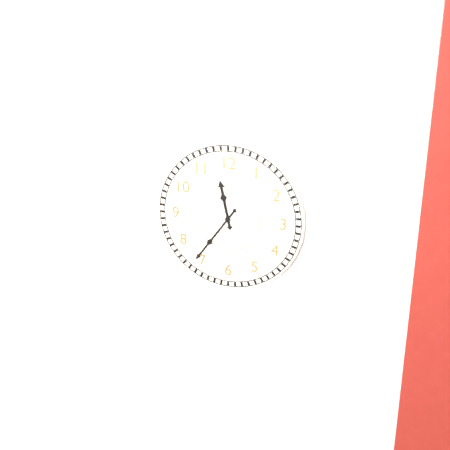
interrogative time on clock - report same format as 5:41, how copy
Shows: 11:36
